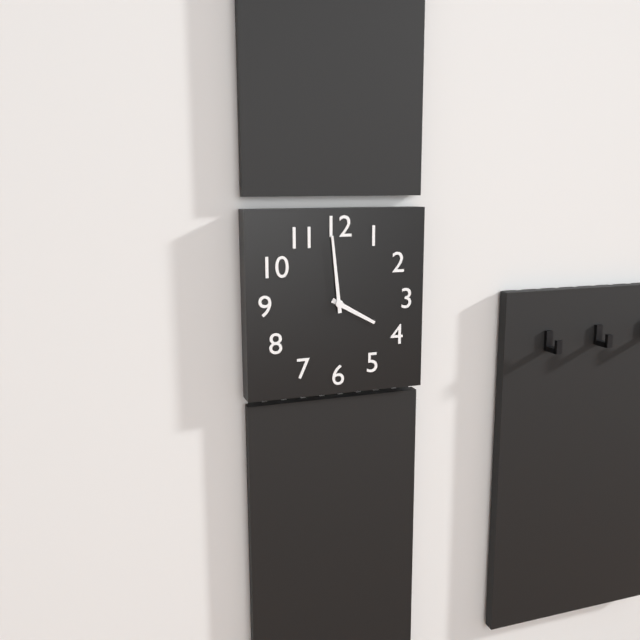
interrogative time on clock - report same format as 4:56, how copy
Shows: 3:59
